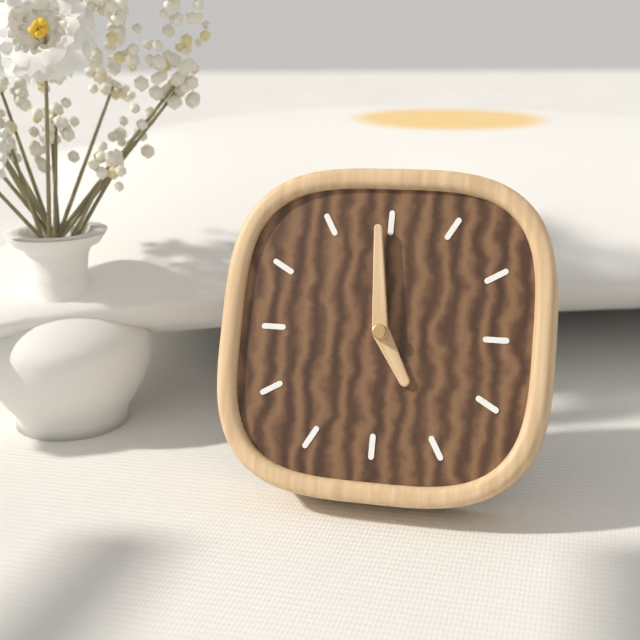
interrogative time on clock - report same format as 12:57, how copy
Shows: 4:59
